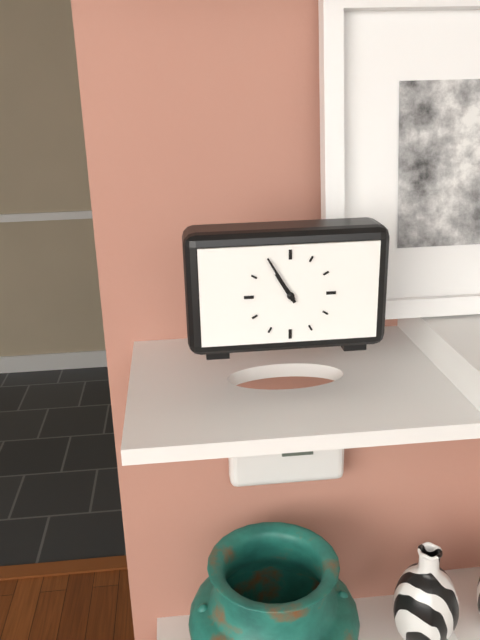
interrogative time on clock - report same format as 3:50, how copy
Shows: 10:55
